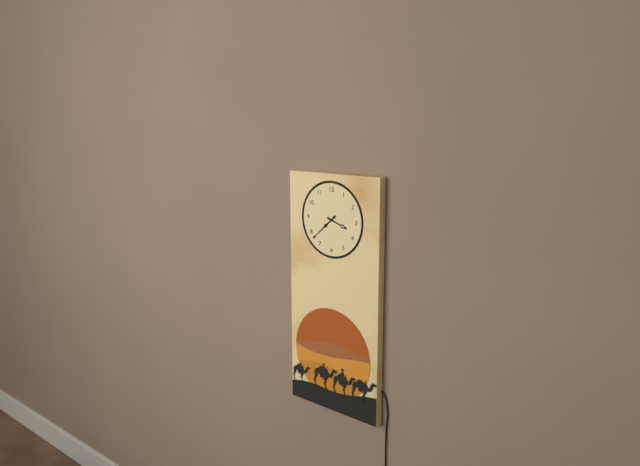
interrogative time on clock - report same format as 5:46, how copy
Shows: 3:38
